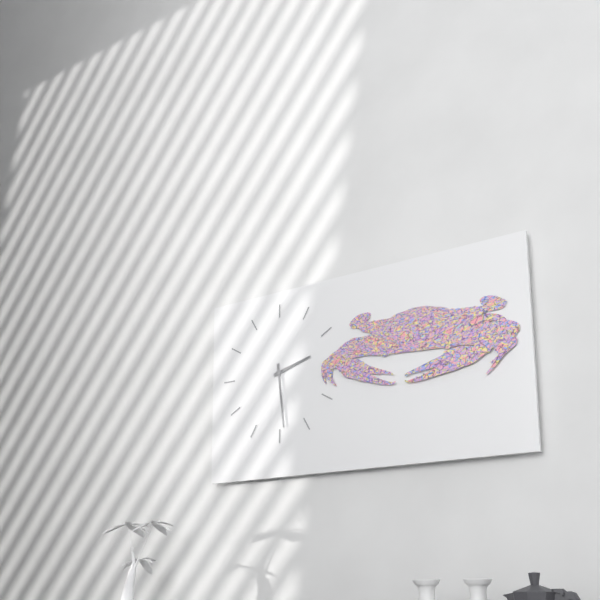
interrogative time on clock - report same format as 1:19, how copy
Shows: 2:29
